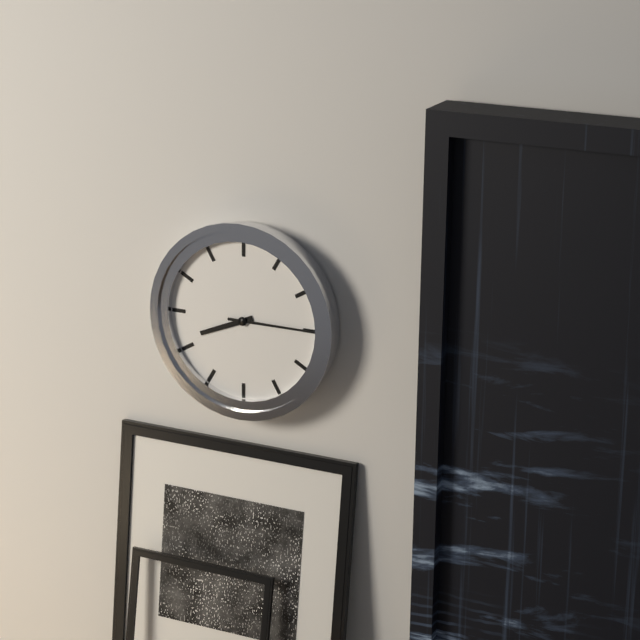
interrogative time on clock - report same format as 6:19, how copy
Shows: 8:15
